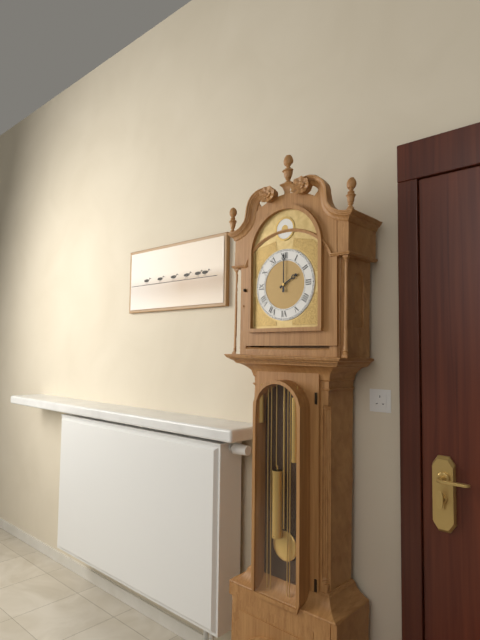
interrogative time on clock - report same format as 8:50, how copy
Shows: 2:00
